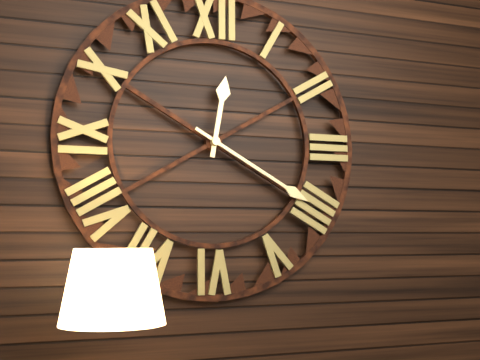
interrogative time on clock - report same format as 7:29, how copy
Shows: 12:20
